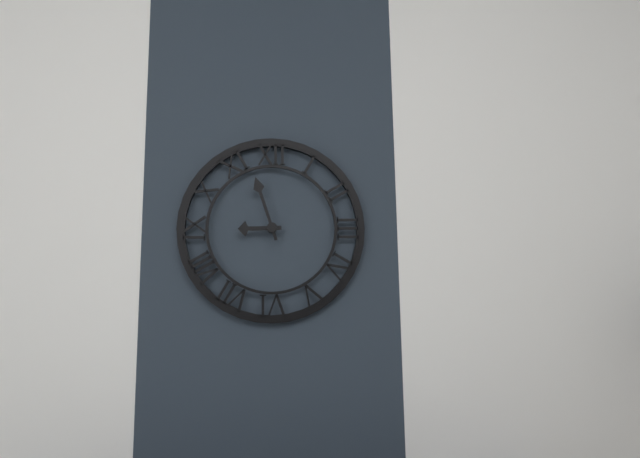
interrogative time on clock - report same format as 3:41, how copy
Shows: 8:57
